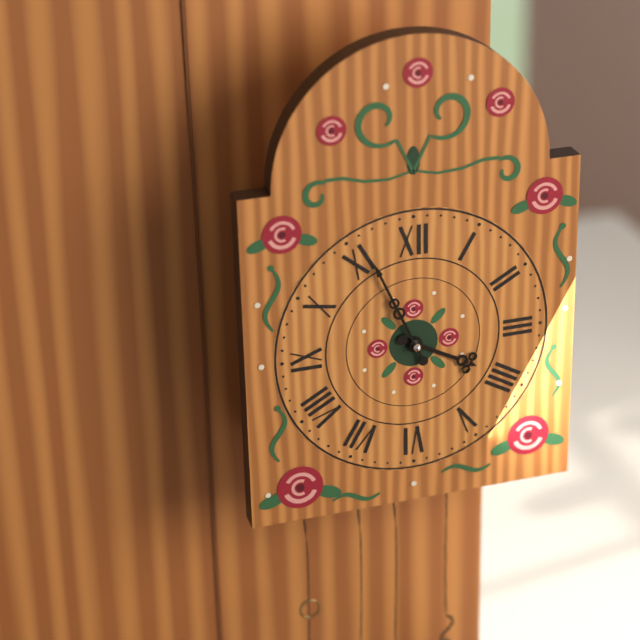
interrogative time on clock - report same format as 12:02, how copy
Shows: 3:56
